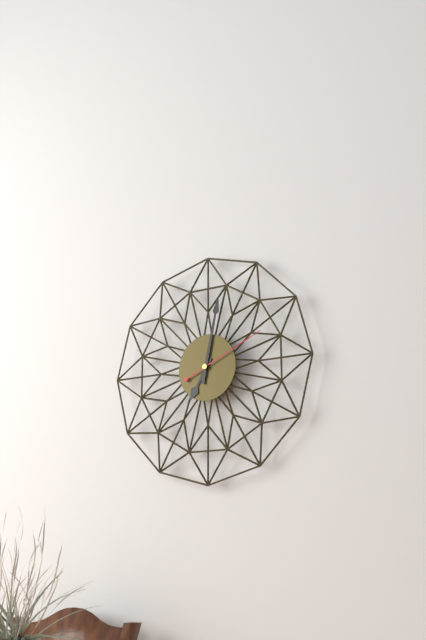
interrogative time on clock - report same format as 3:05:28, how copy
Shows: 7:02:11
